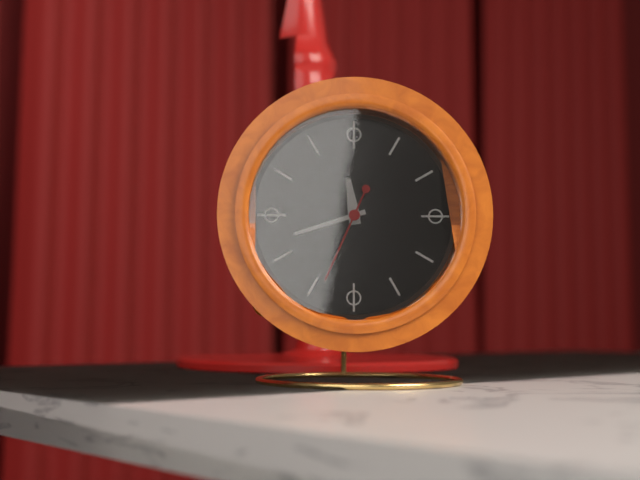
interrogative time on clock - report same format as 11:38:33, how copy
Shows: 11:42:34
